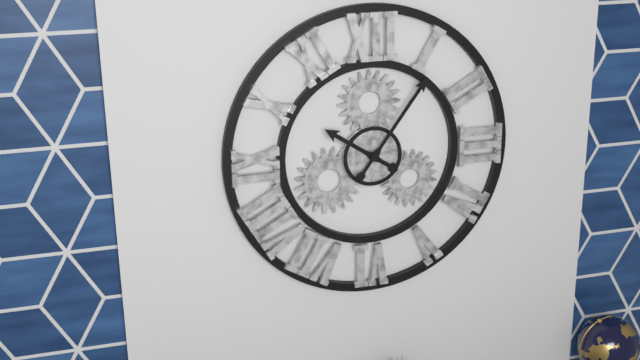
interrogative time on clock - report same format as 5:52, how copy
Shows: 10:06
